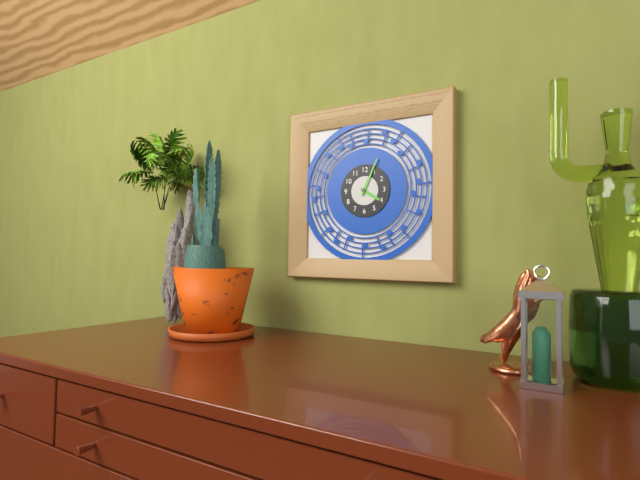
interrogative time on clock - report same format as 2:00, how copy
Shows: 4:04
